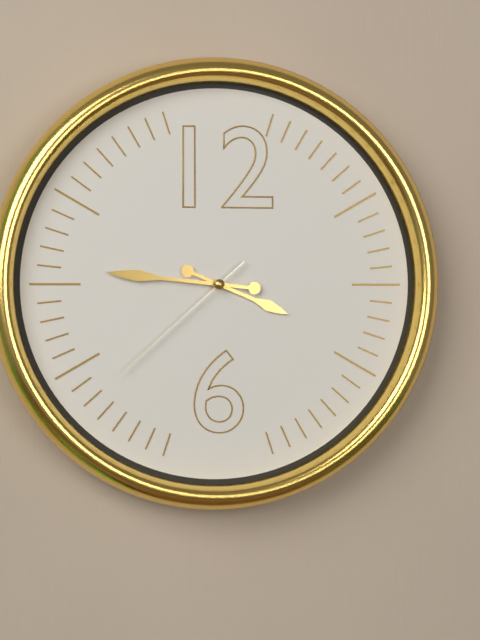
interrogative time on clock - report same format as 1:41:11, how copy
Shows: 3:46:38
